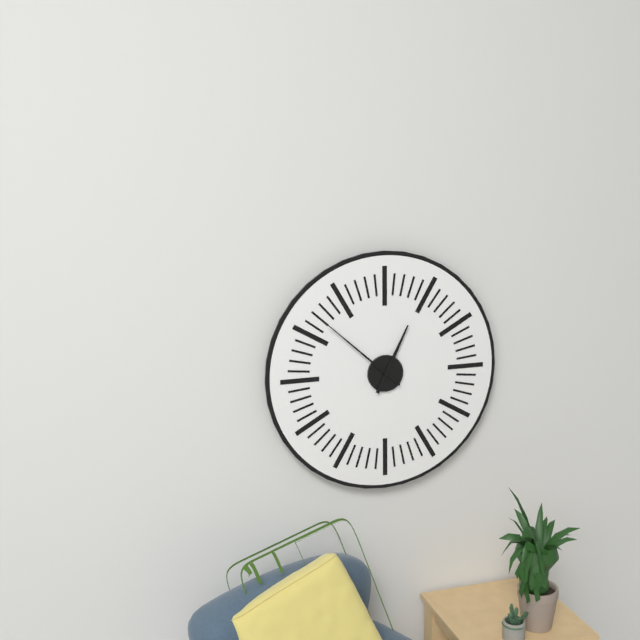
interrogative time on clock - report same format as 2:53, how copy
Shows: 12:52
